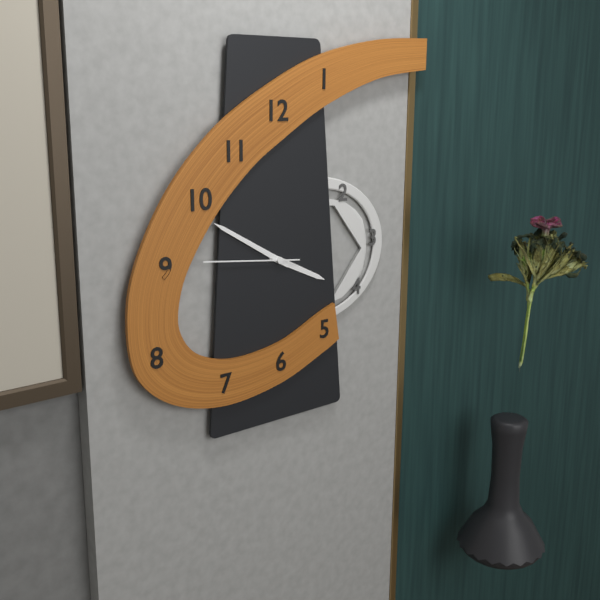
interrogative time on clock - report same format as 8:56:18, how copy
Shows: 3:50:46
